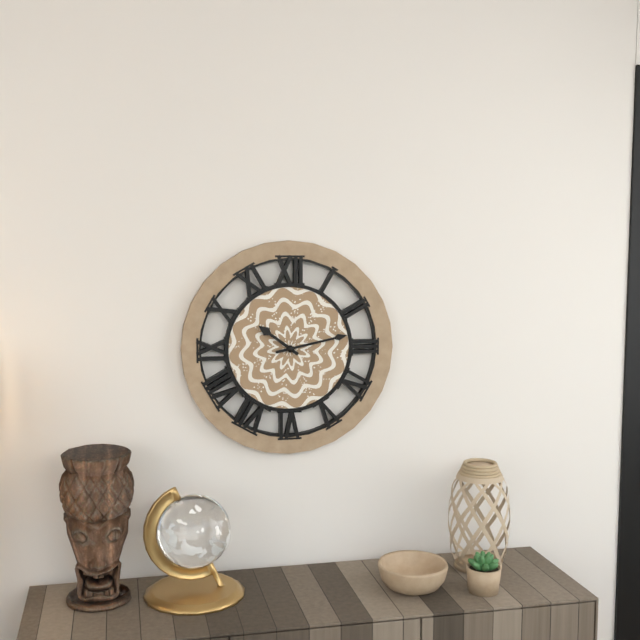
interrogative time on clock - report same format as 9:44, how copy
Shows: 10:13
